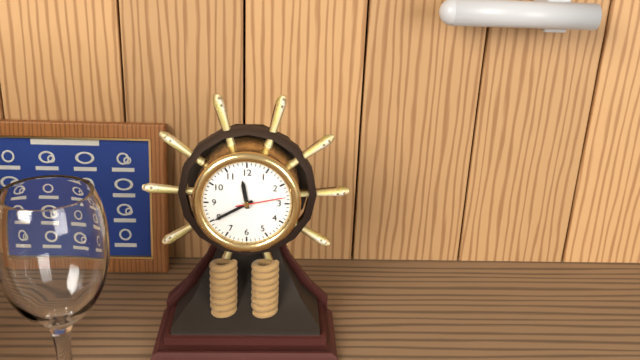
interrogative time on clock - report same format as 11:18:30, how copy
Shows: 11:40:13
